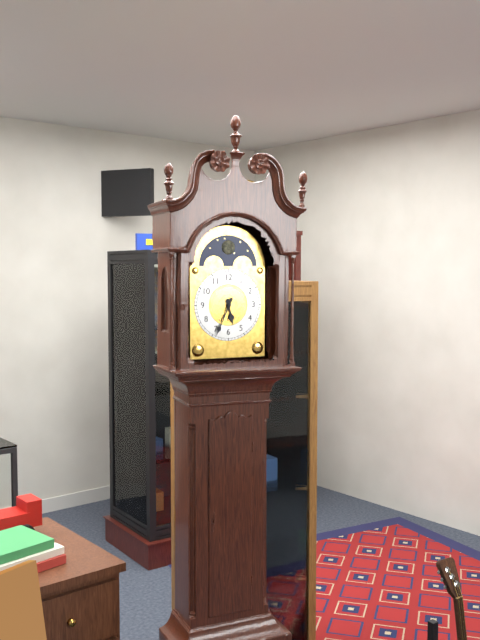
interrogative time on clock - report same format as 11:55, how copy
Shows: 5:34
